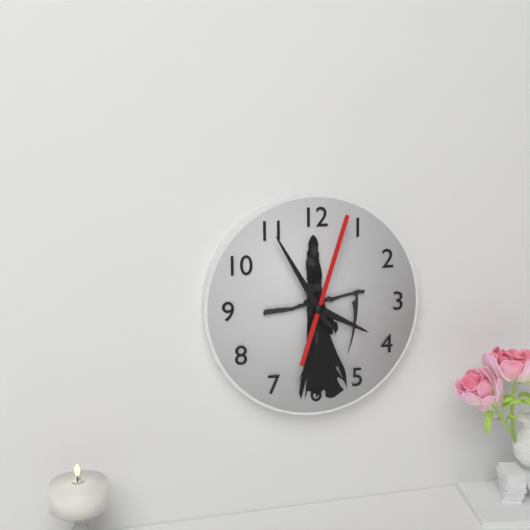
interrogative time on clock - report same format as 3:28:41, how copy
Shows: 3:55:03
